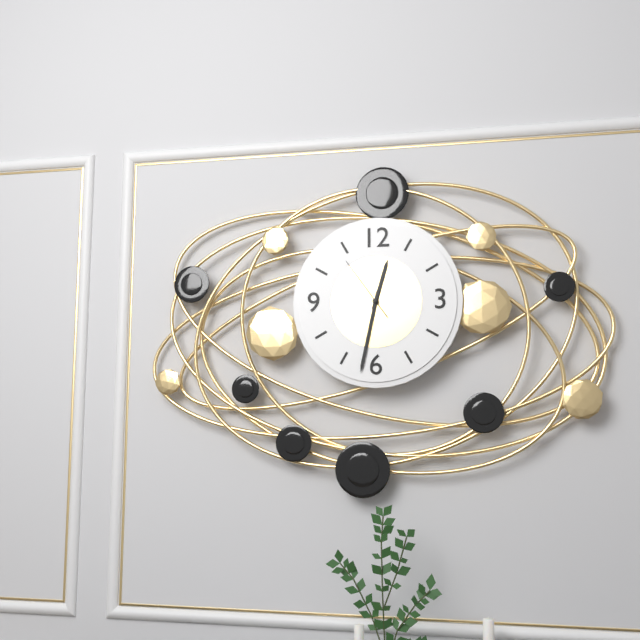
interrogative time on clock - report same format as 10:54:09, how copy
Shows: 12:32:54
